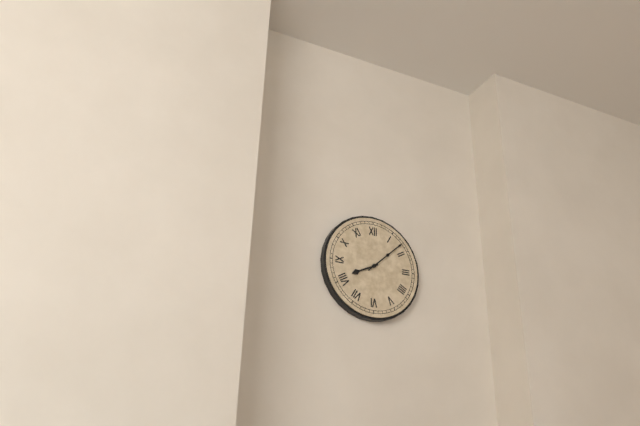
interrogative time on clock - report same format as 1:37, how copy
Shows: 8:08
